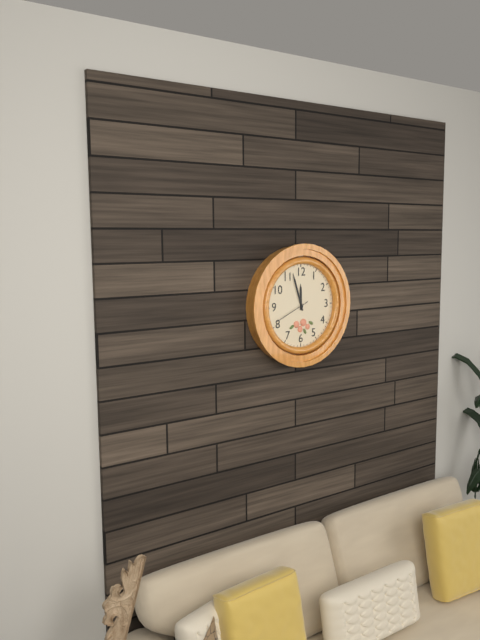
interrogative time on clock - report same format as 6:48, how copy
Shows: 11:57
